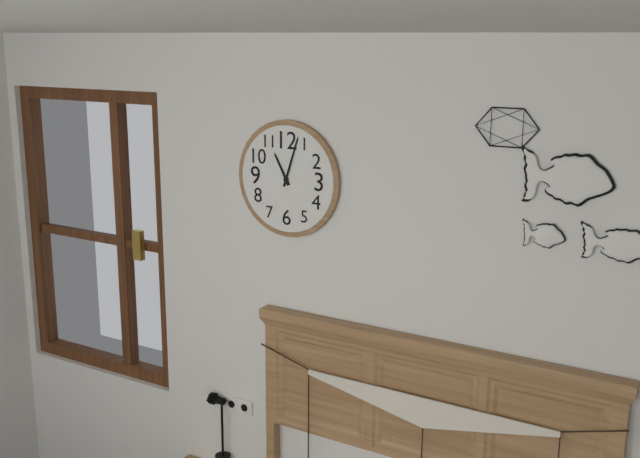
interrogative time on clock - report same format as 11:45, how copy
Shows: 11:03
